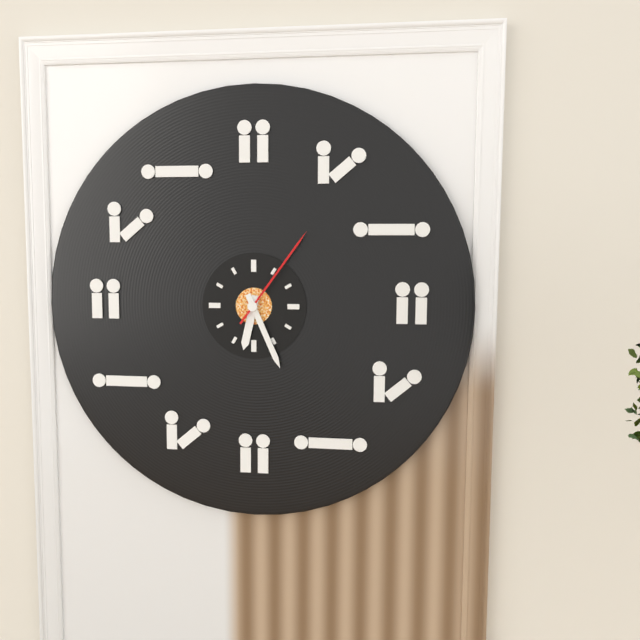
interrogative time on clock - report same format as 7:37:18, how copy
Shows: 6:26:06
